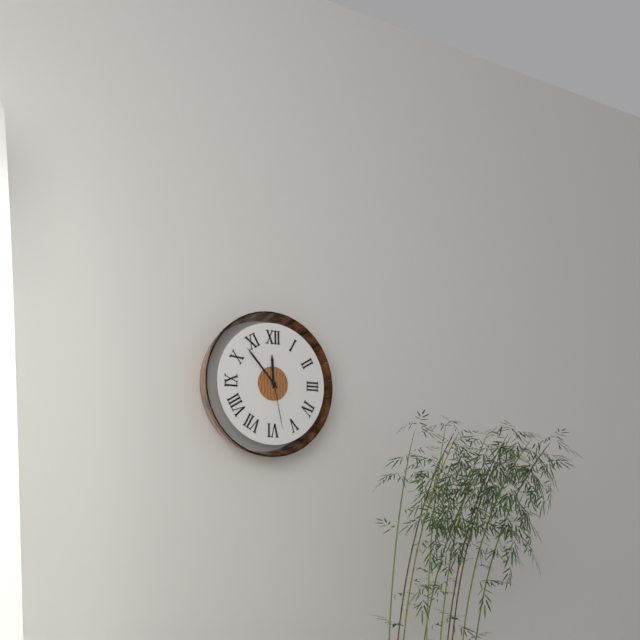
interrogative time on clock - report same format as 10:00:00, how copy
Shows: 11:53:28
